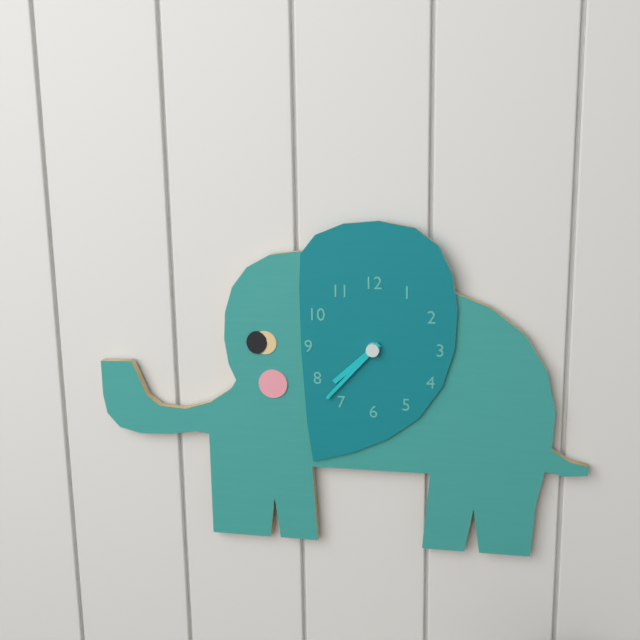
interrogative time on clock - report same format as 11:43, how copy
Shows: 7:37
